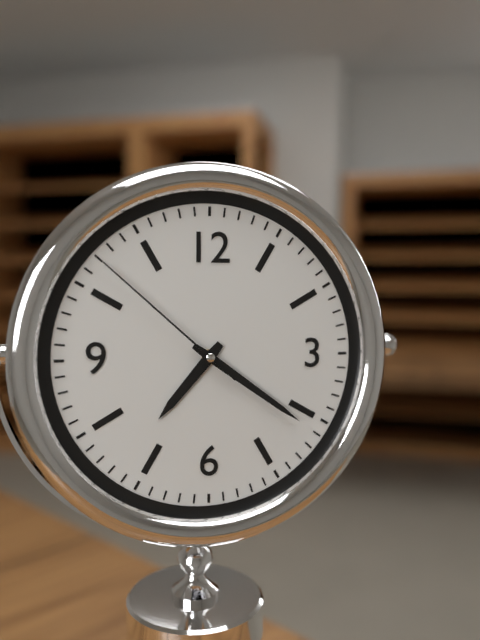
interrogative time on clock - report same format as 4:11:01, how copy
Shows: 7:21:52
